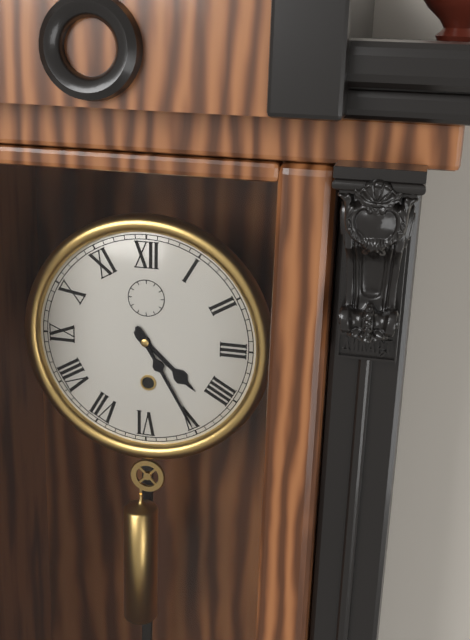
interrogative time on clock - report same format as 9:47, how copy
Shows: 4:25
